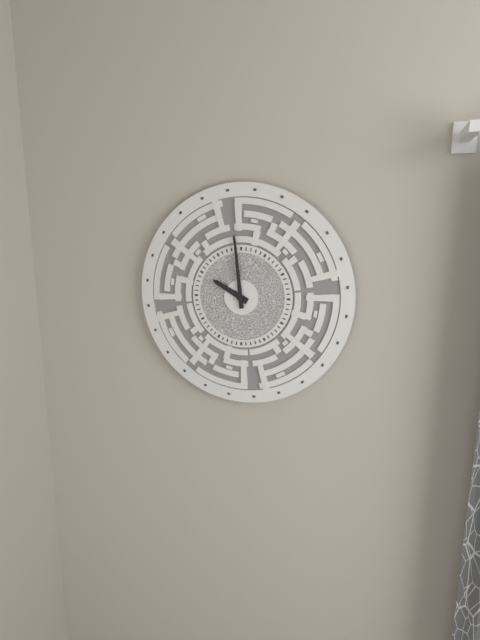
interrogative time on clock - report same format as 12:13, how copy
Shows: 9:59
